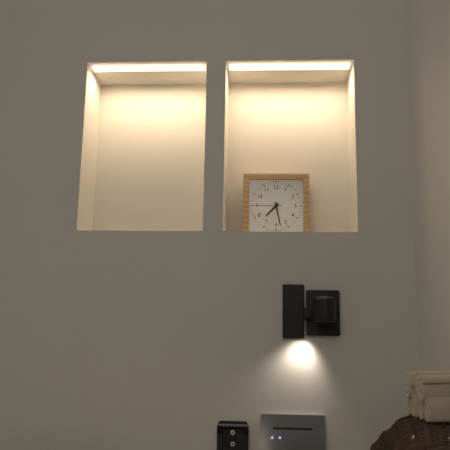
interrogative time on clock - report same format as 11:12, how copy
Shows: 7:28
